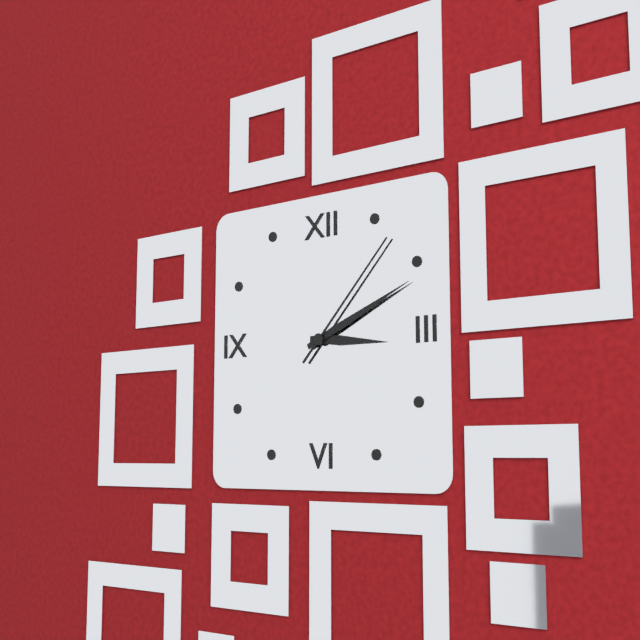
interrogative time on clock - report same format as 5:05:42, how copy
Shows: 3:11:07
